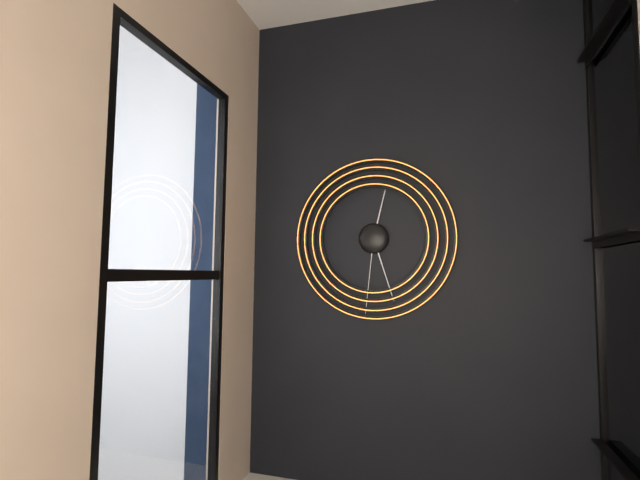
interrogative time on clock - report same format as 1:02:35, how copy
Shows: 12:27:31
